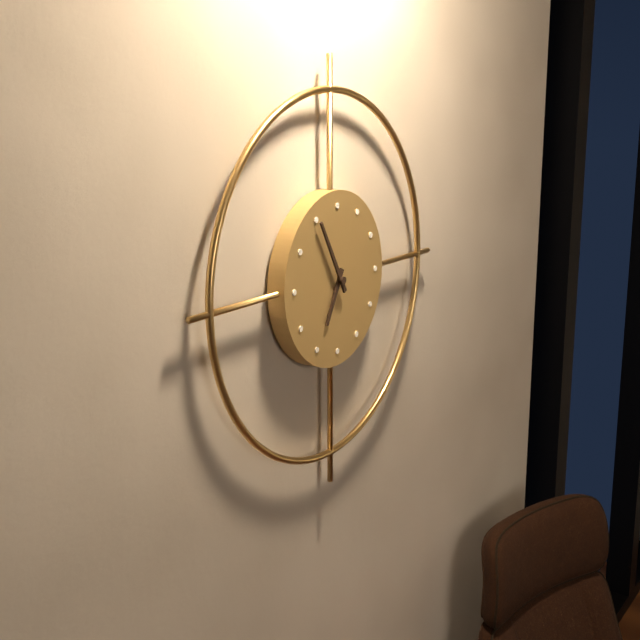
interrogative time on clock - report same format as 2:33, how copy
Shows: 6:55
